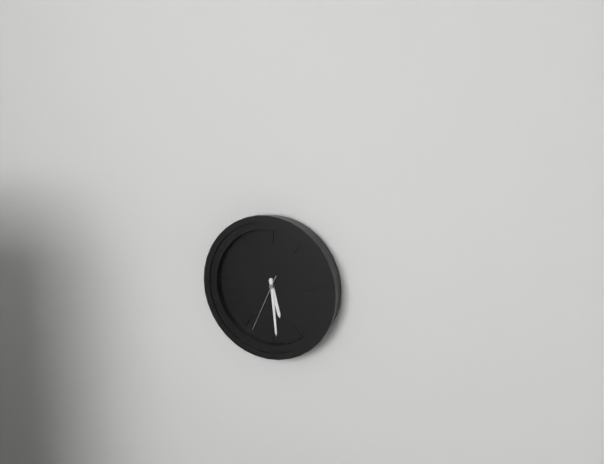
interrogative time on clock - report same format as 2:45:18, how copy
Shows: 5:29:34
